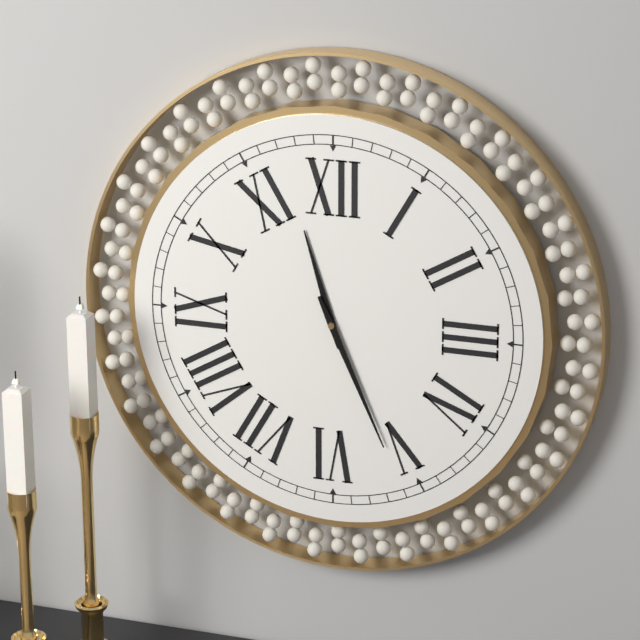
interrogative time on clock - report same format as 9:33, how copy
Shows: 11:26
